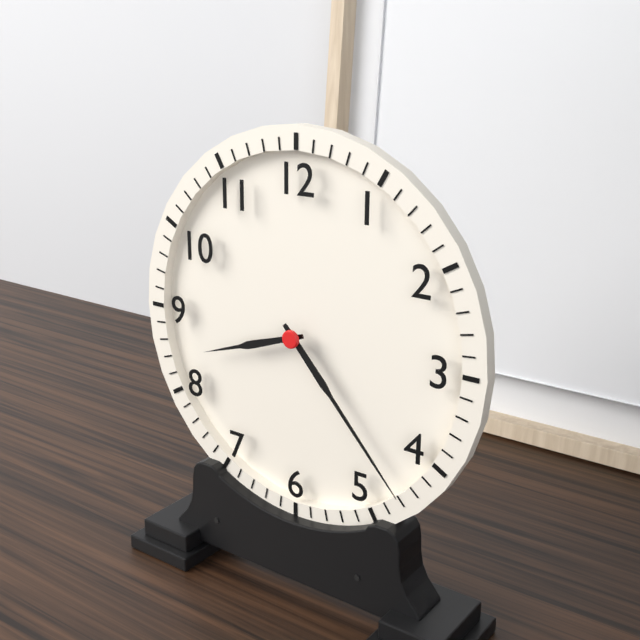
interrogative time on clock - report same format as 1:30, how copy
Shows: 8:23
